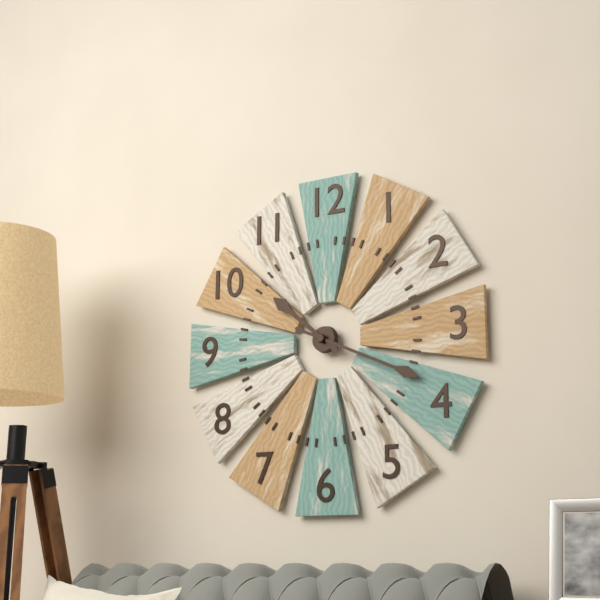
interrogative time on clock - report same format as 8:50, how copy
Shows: 10:19
